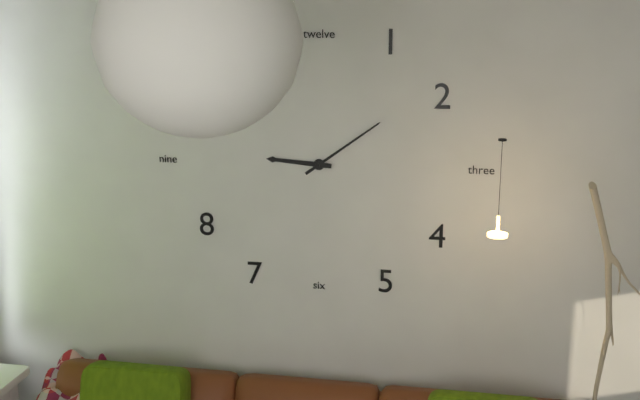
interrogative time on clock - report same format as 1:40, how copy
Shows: 9:09
